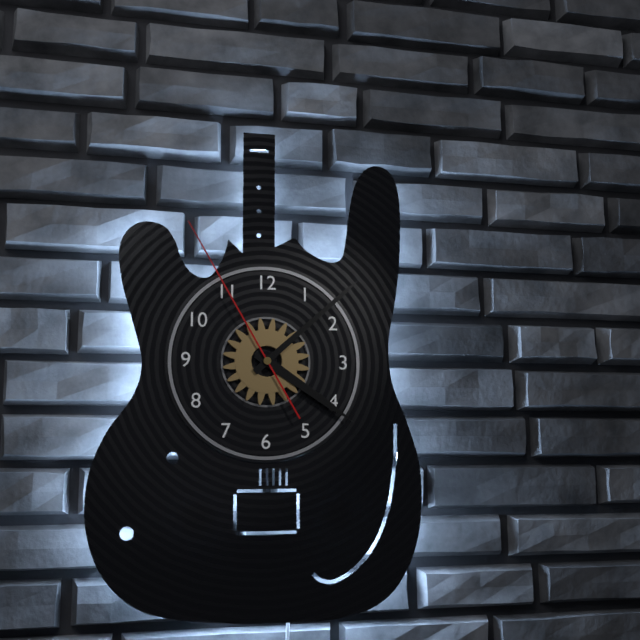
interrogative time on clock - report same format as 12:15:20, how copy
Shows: 4:08:55
